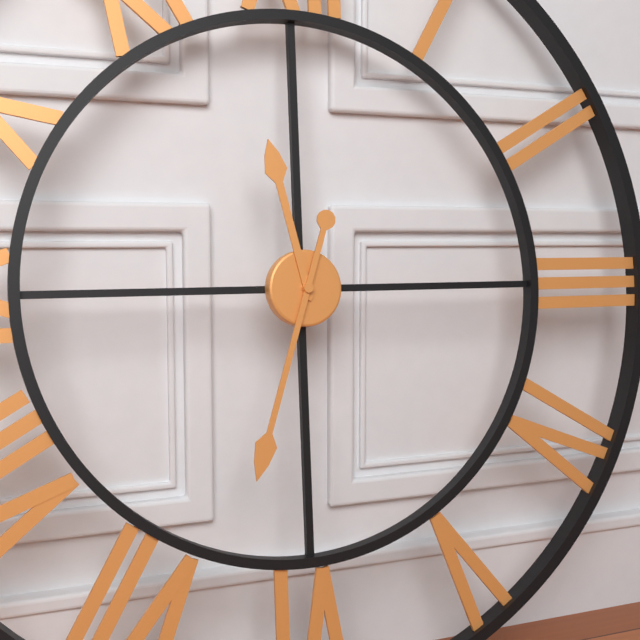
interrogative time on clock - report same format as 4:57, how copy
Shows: 11:33
